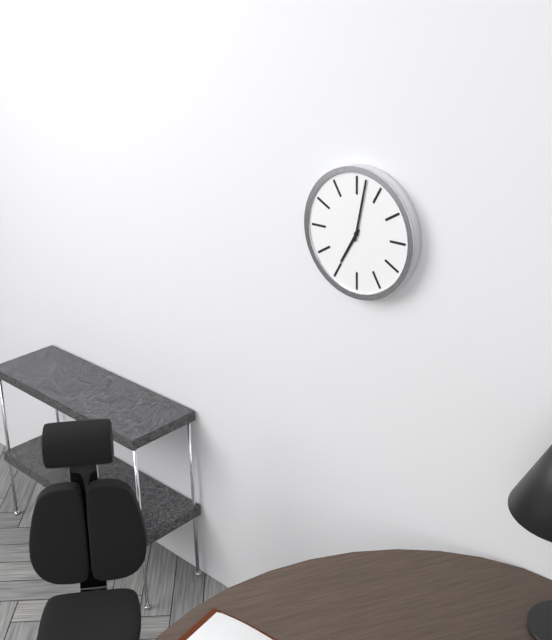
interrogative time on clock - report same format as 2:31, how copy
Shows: 7:02
